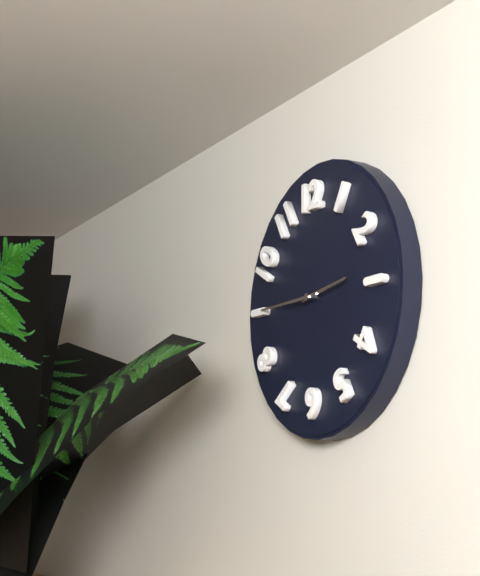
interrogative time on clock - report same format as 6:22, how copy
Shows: 2:45
